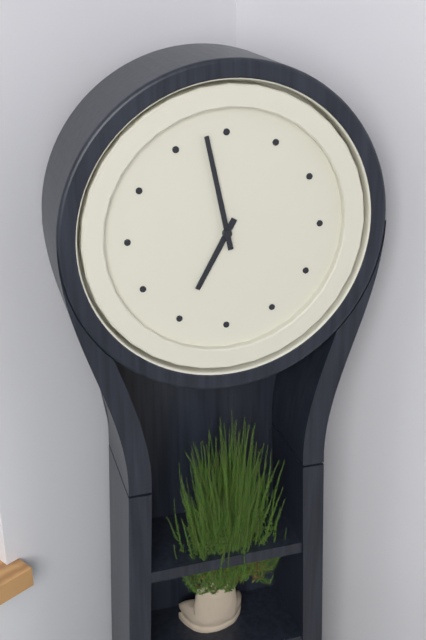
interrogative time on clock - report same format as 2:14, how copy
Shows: 6:58
